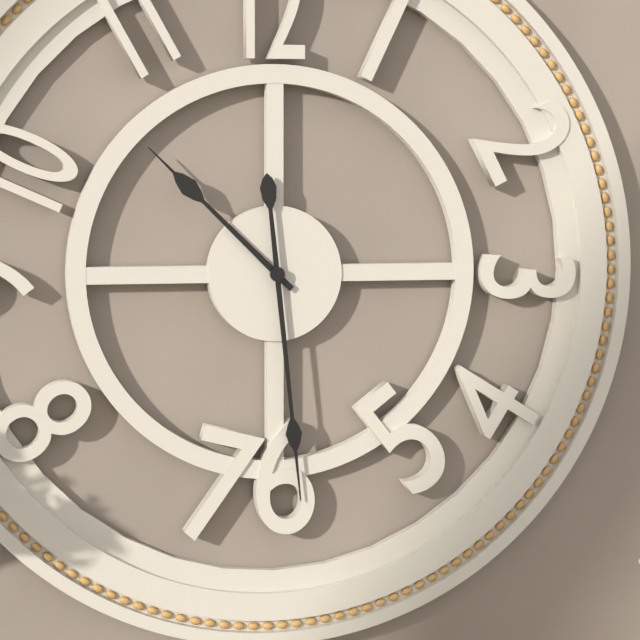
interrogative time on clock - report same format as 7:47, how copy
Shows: 10:29
